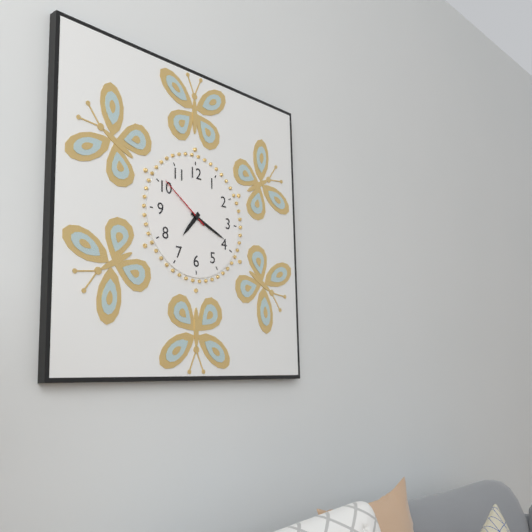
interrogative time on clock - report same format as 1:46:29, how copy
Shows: 7:19:51
